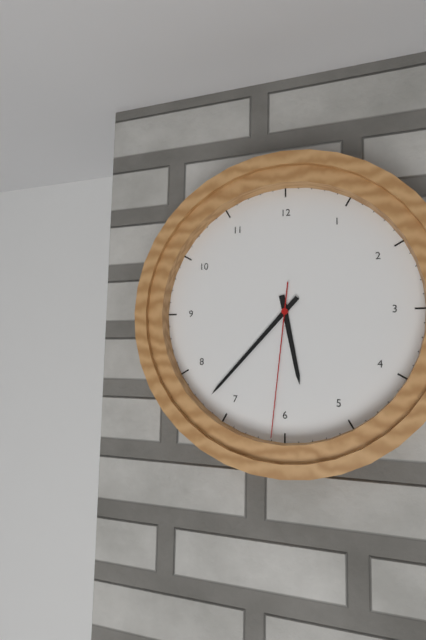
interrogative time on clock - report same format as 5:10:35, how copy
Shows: 5:37:31
